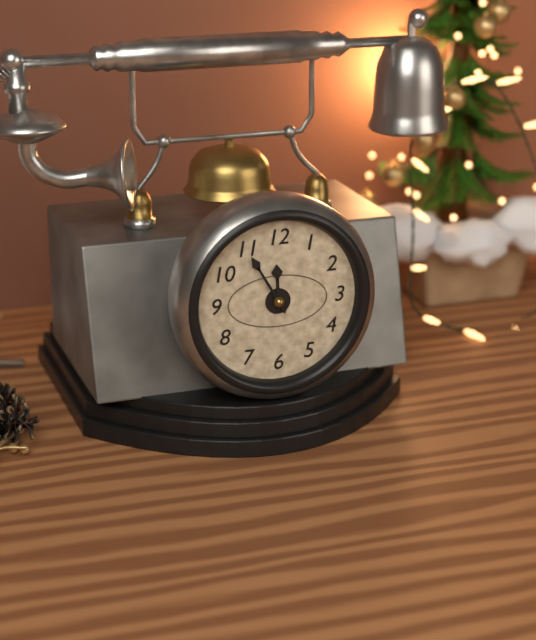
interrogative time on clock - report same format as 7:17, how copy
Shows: 11:55
